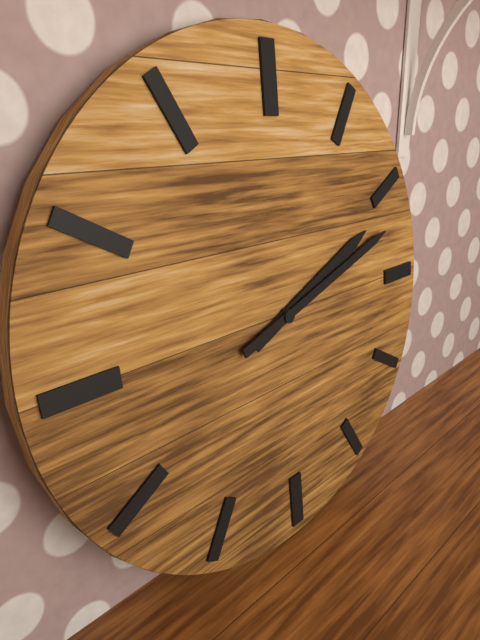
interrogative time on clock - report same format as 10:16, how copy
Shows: 2:12
